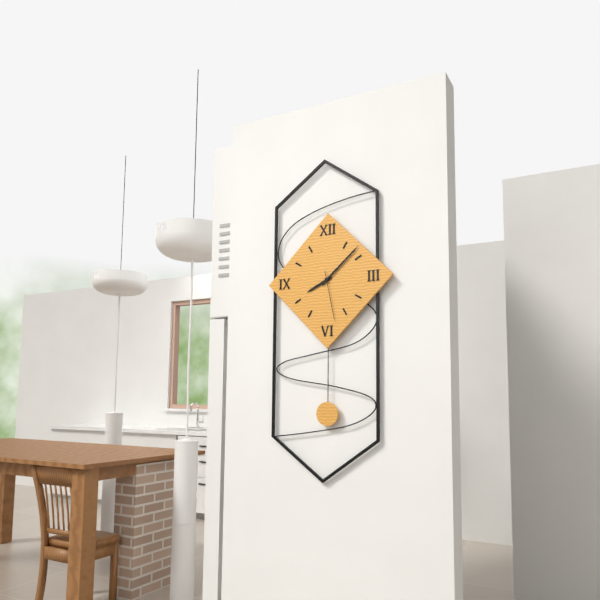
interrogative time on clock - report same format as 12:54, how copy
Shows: 8:08
